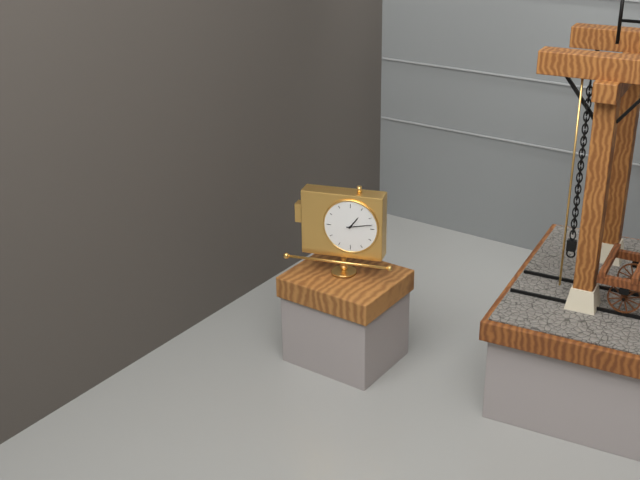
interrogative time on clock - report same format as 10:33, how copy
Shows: 1:13
